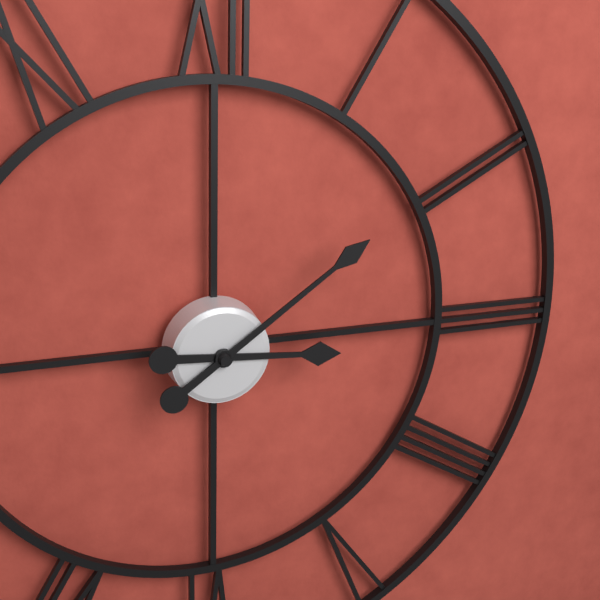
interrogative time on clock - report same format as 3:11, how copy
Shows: 3:09
